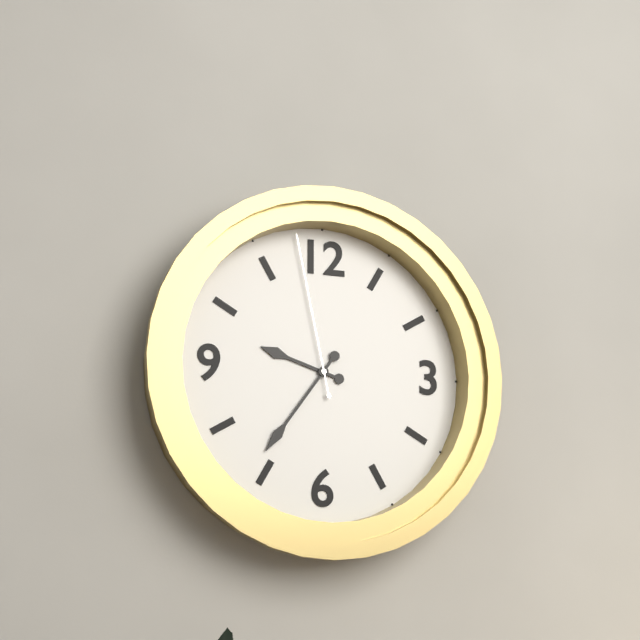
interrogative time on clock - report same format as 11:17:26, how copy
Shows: 9:36:58
